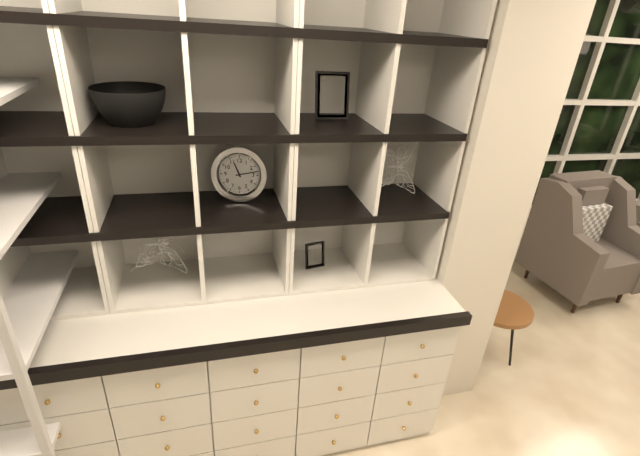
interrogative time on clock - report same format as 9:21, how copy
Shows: 11:13
